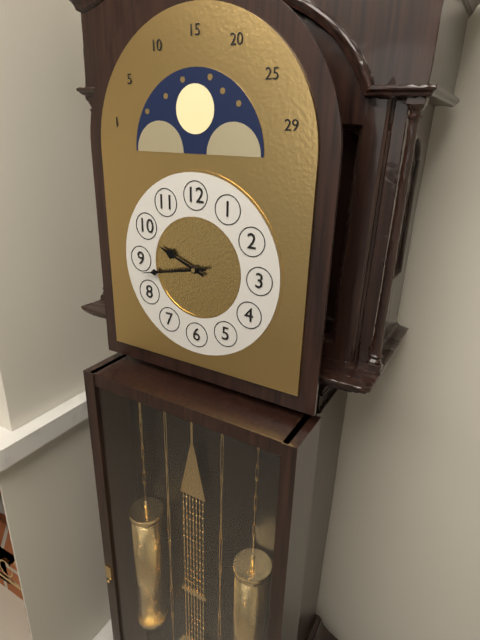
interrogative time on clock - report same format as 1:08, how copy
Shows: 9:43
